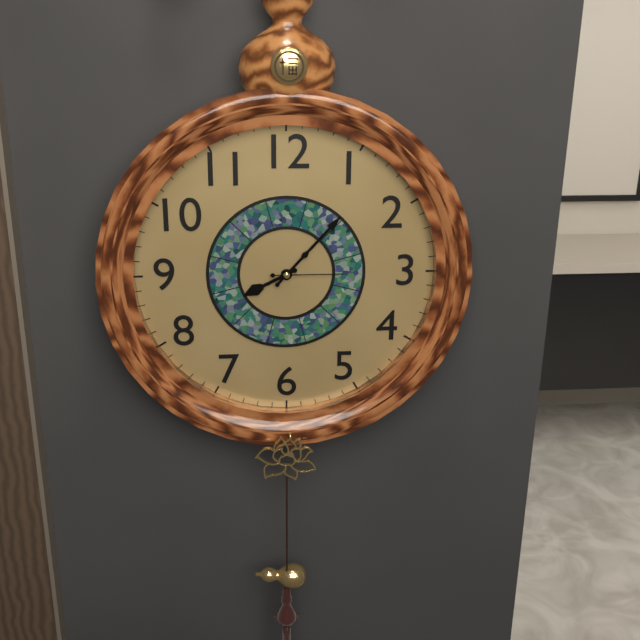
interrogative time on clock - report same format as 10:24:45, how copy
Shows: 8:07:15
